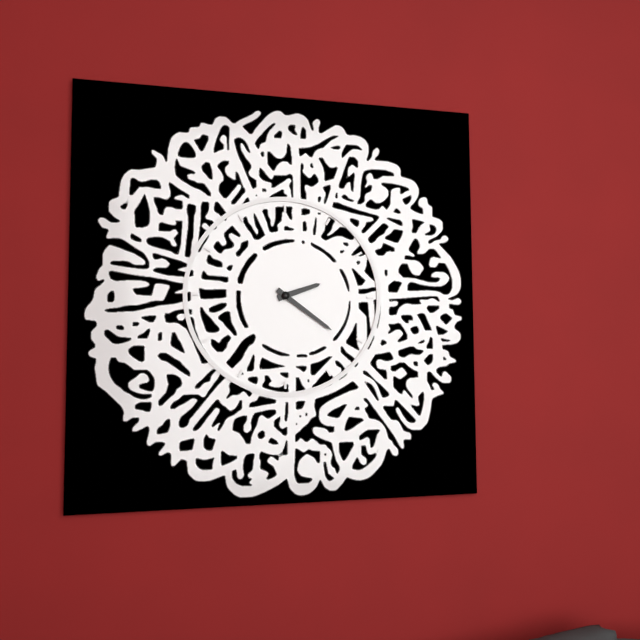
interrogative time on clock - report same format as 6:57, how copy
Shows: 2:21
